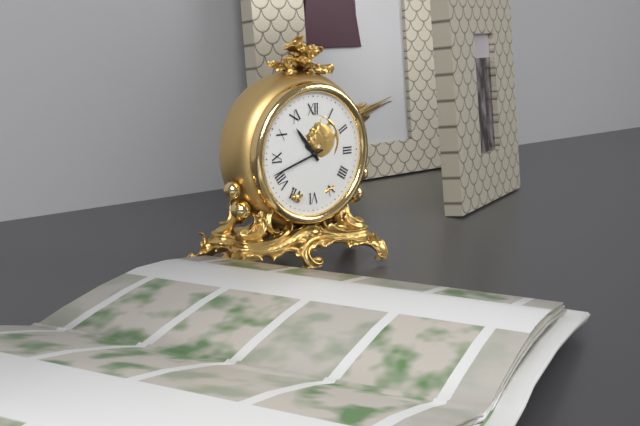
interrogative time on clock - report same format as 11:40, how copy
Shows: 10:42
